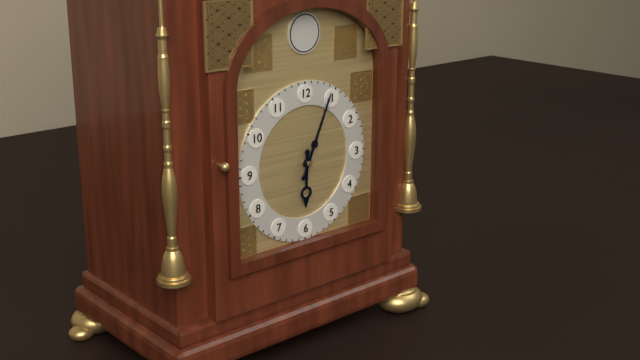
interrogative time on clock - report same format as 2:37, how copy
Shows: 6:04
